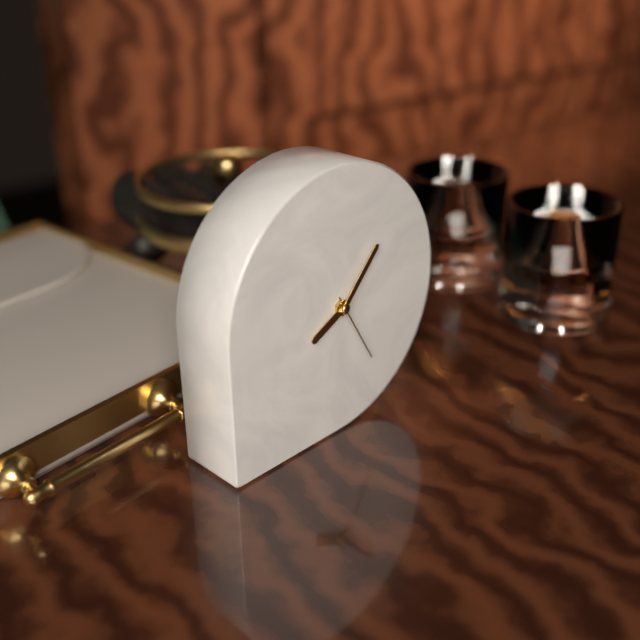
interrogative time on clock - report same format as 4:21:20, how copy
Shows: 8:07:25
